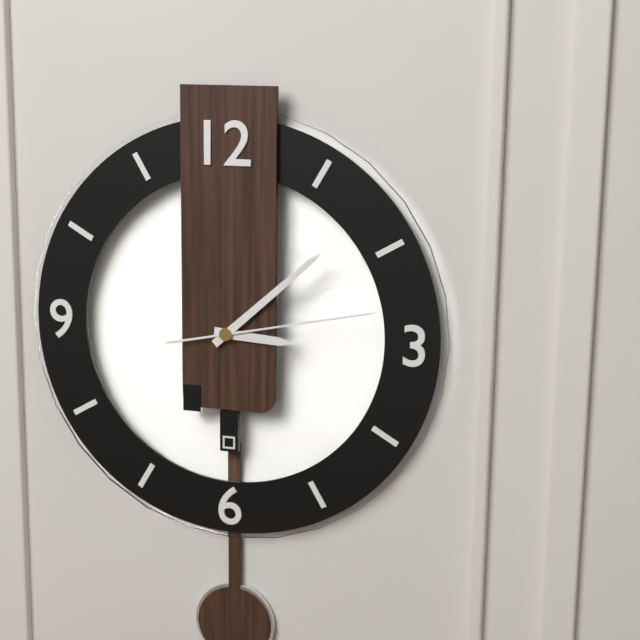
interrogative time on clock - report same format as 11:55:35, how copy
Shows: 3:08:13
